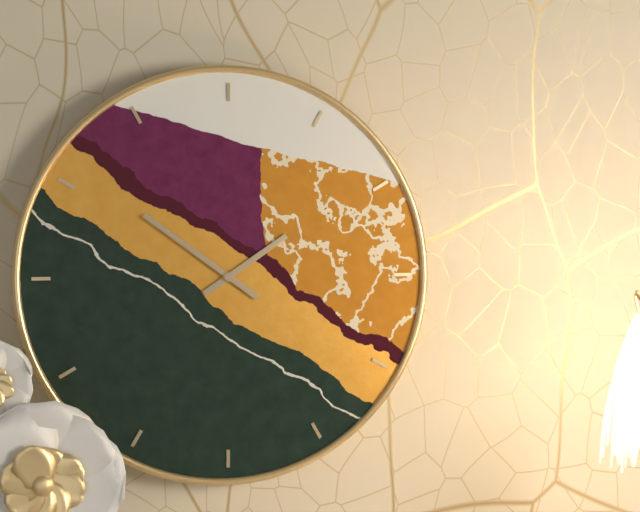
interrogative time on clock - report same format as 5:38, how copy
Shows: 1:51
